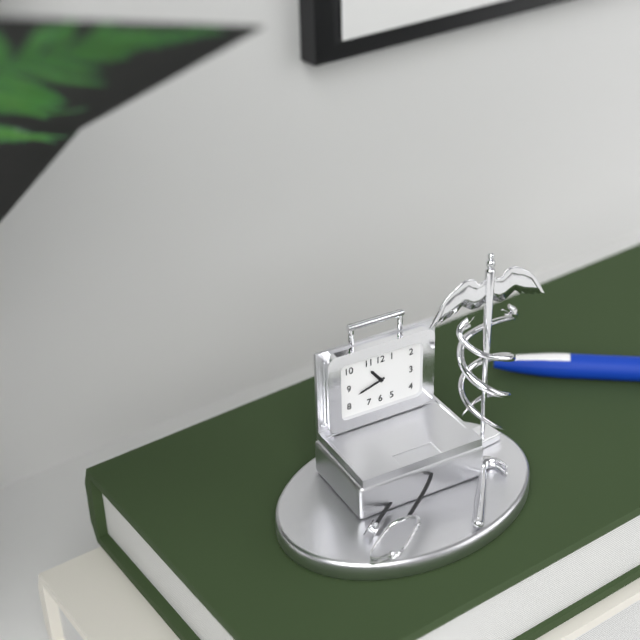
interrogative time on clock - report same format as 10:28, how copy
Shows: 10:42
